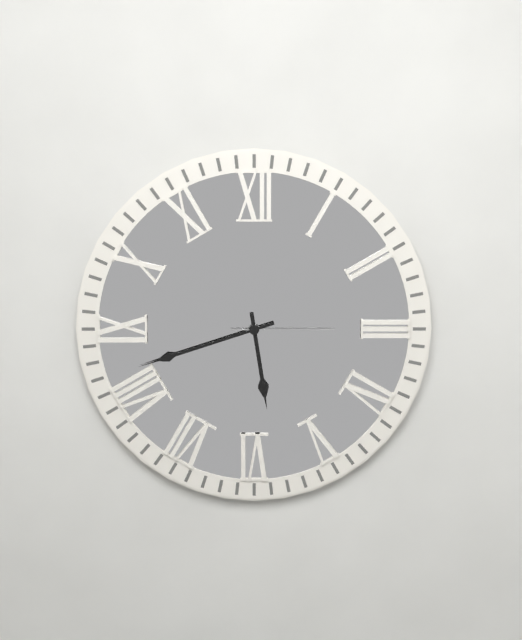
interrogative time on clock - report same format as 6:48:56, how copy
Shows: 5:42:15
